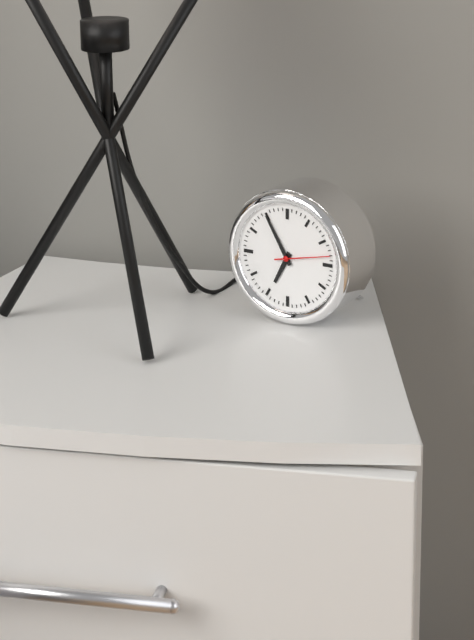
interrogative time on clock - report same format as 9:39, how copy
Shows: 6:55
